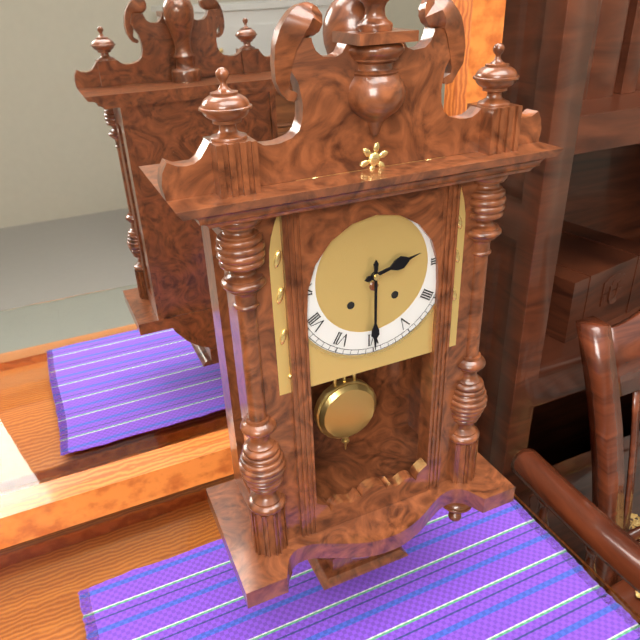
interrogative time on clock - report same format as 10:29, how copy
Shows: 2:30
